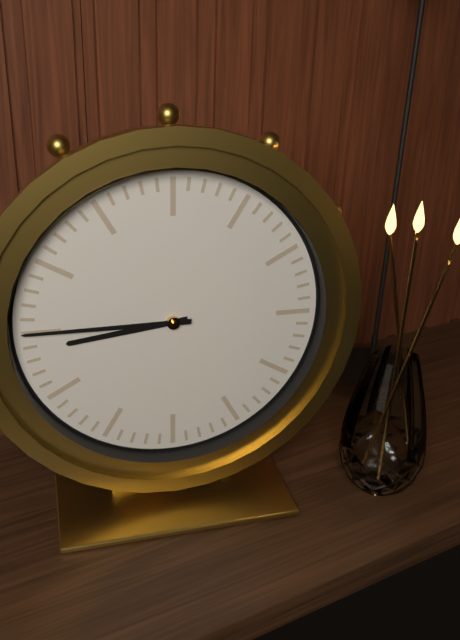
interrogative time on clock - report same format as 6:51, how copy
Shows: 8:45
